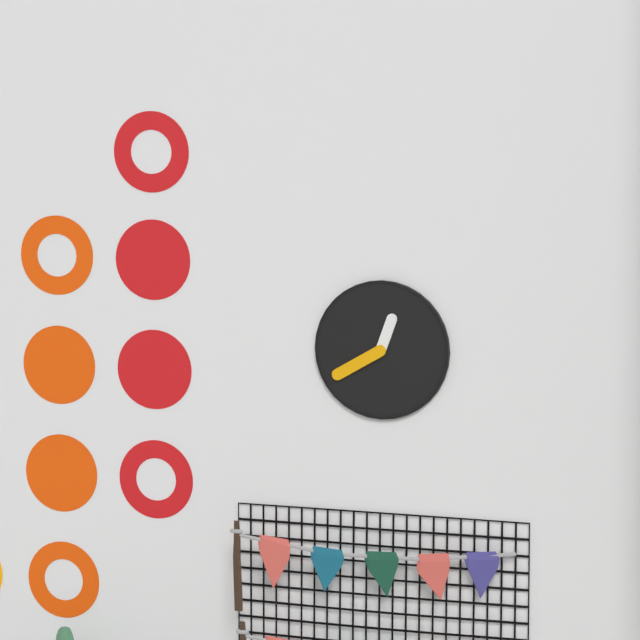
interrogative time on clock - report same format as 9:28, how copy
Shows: 12:40
